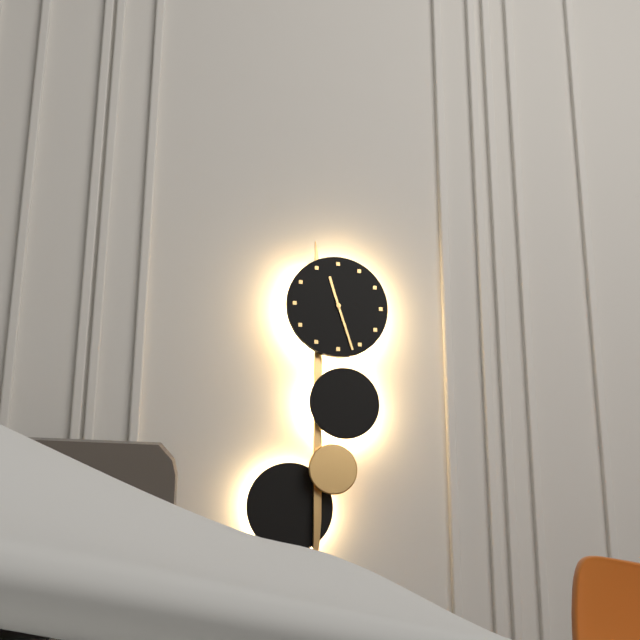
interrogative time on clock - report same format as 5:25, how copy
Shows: 11:27
